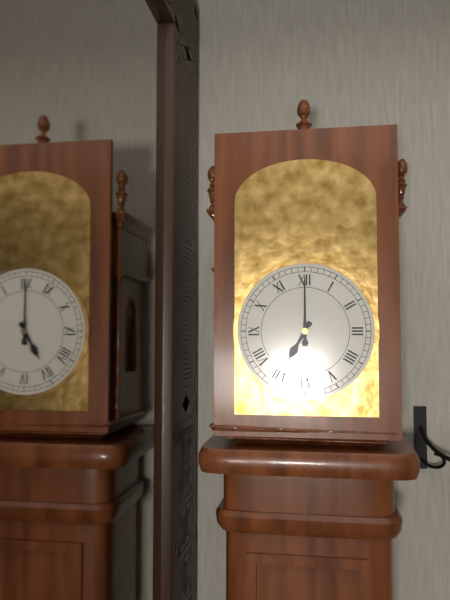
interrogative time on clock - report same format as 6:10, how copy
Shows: 7:00
